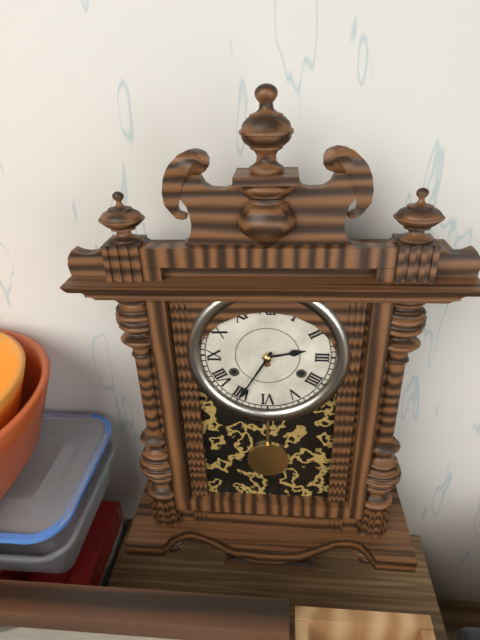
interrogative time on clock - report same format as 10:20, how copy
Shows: 2:35
